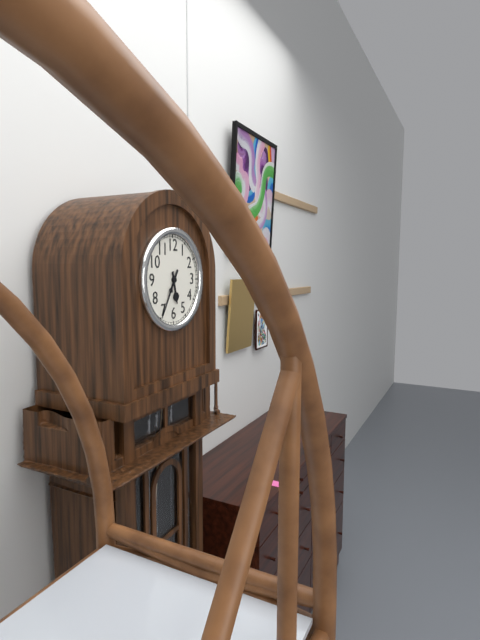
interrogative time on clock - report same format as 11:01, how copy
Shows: 5:35
